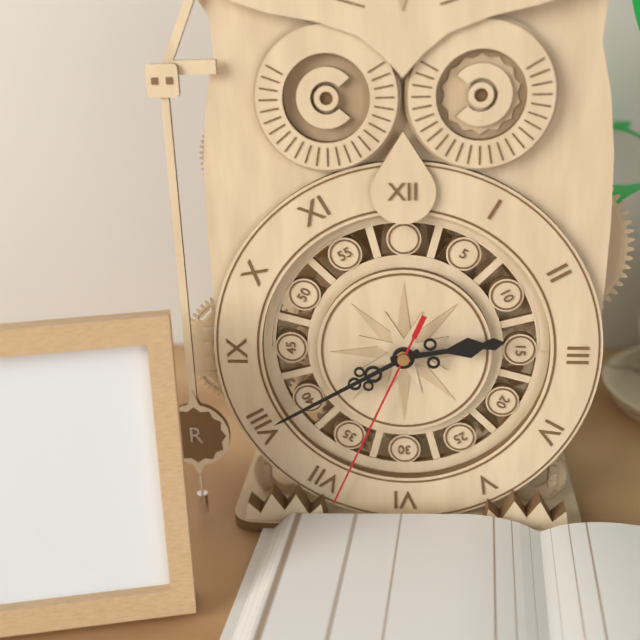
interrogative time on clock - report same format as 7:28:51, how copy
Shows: 2:40:34
